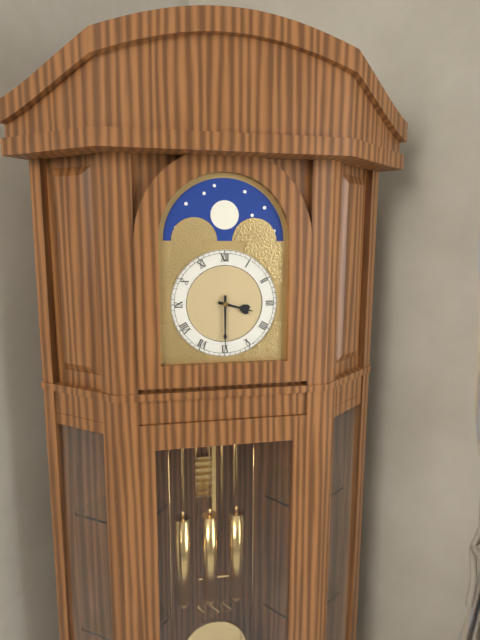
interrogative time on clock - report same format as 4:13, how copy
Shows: 3:30
